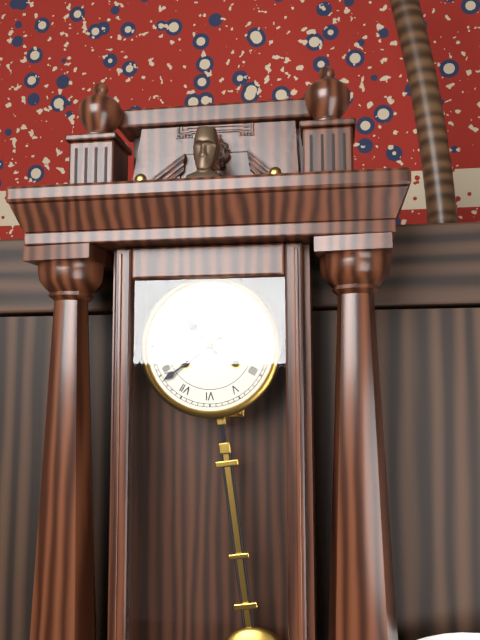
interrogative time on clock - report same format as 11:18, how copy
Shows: 10:39
